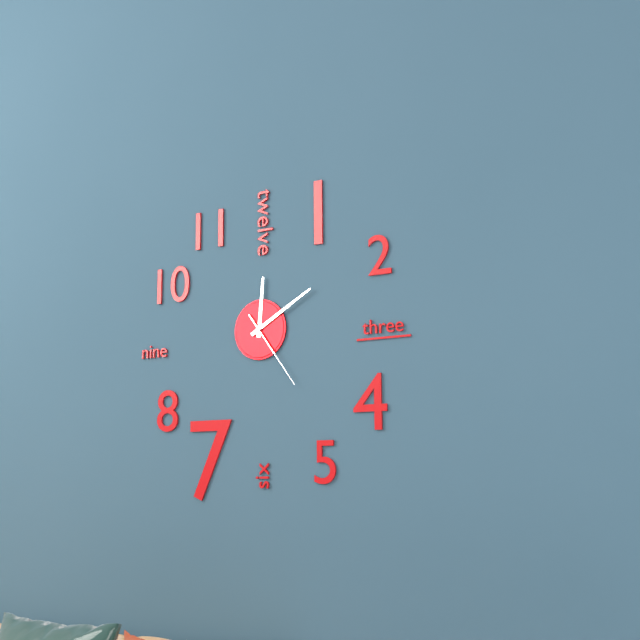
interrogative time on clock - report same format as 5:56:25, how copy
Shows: 12:10:24
